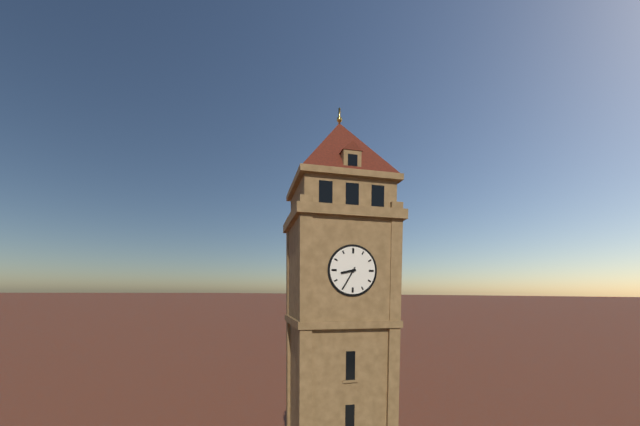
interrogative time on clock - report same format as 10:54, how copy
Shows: 8:35
